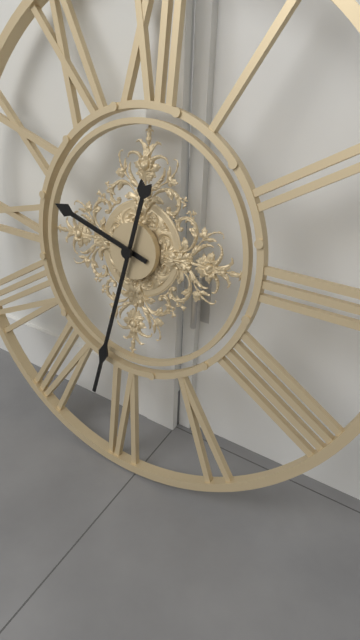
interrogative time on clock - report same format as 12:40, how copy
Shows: 9:32
